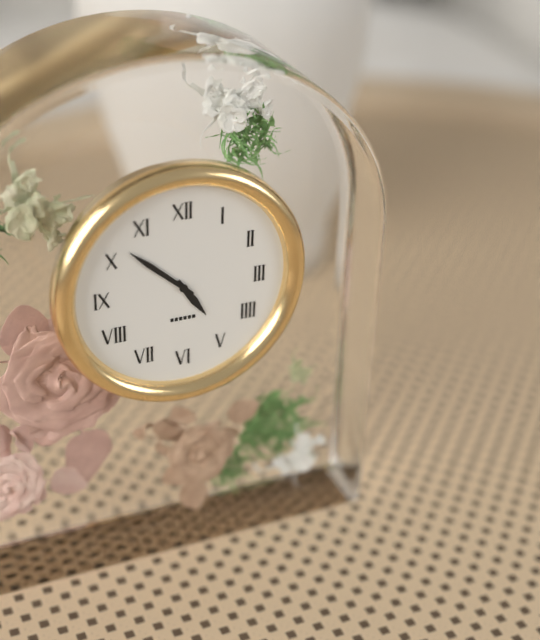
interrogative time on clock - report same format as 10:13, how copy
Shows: 4:52
